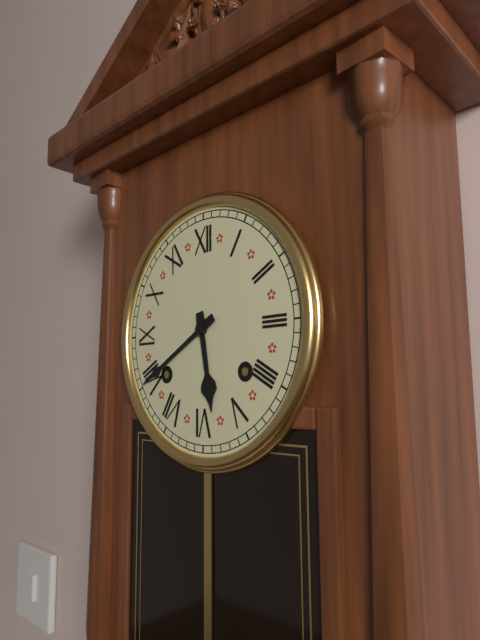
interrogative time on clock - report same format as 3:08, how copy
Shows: 5:40
